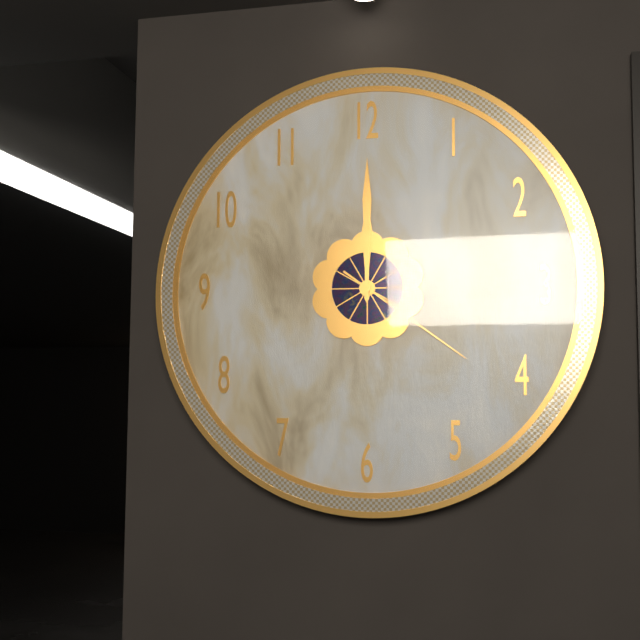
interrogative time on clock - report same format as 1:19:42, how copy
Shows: 12:00:21
